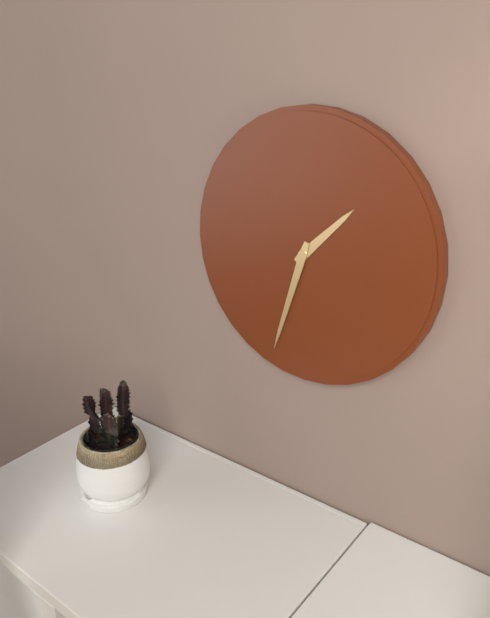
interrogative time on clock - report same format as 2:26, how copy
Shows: 1:33
